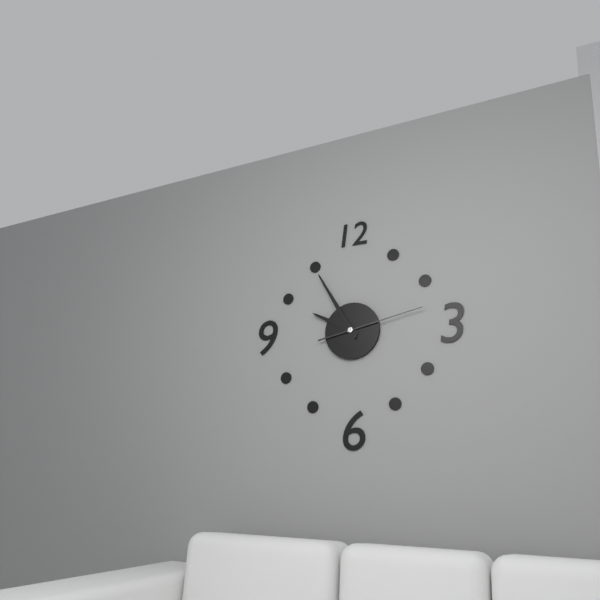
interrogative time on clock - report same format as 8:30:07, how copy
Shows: 9:55:13
